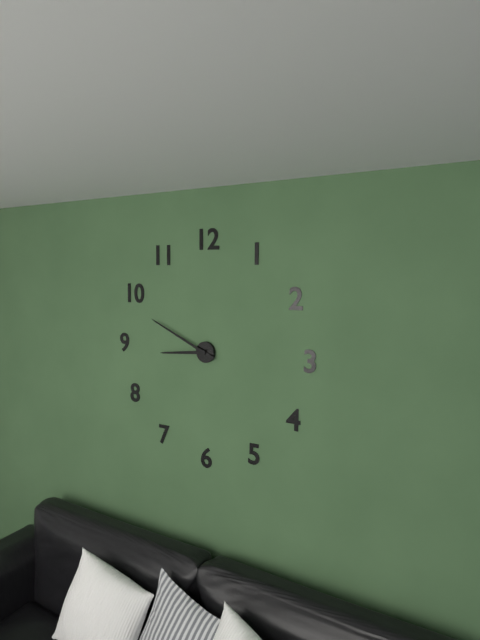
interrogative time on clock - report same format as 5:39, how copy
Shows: 8:49
